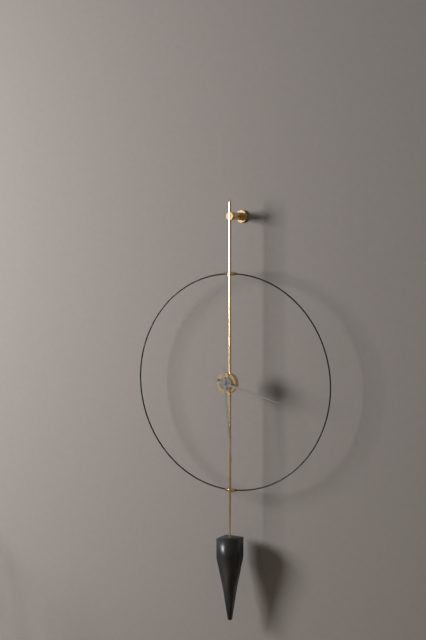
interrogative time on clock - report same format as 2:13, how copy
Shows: 3:29
